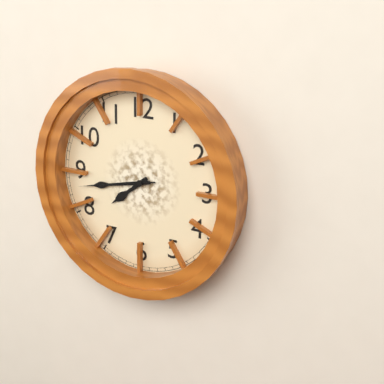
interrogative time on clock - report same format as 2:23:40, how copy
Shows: 7:43:43
